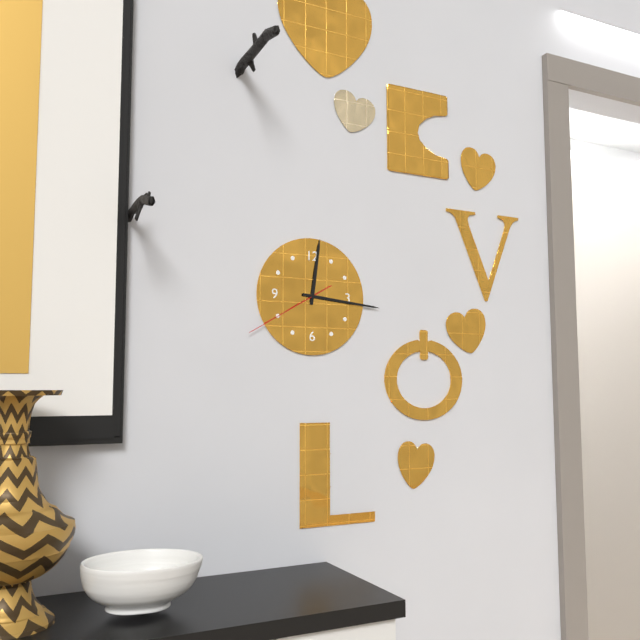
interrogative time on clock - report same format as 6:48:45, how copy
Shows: 12:16:40
